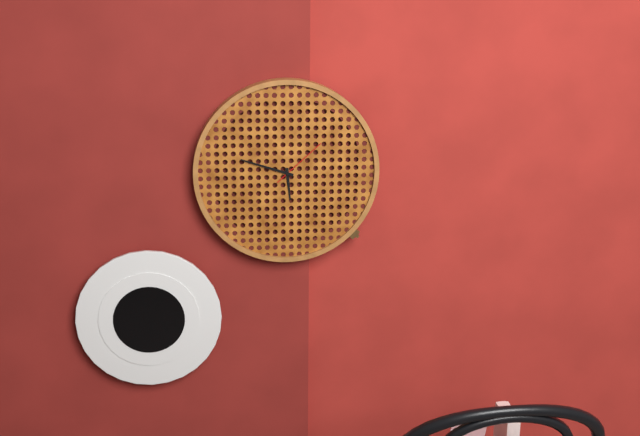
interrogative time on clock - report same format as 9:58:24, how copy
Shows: 5:48:08
